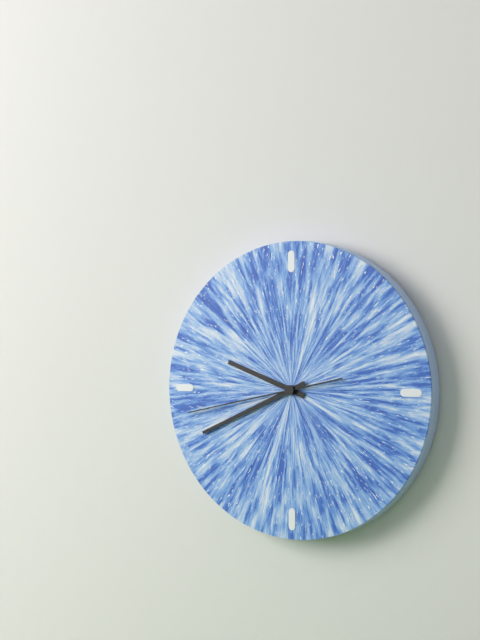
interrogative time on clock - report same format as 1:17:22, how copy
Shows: 9:41:43
